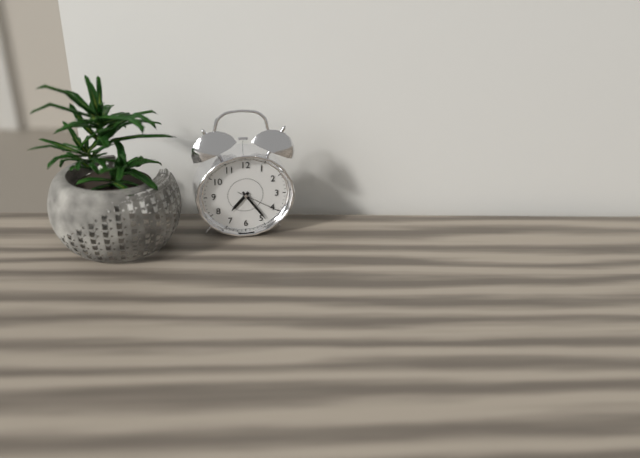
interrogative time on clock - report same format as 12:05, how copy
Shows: 7:24
